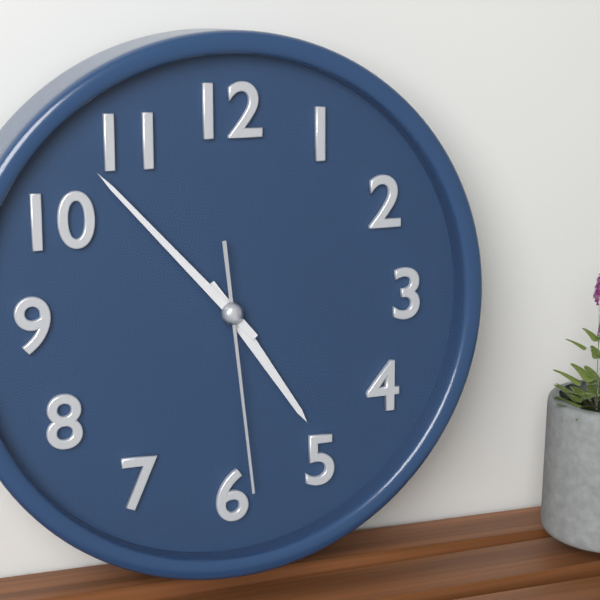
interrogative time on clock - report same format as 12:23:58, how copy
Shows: 4:53:29
